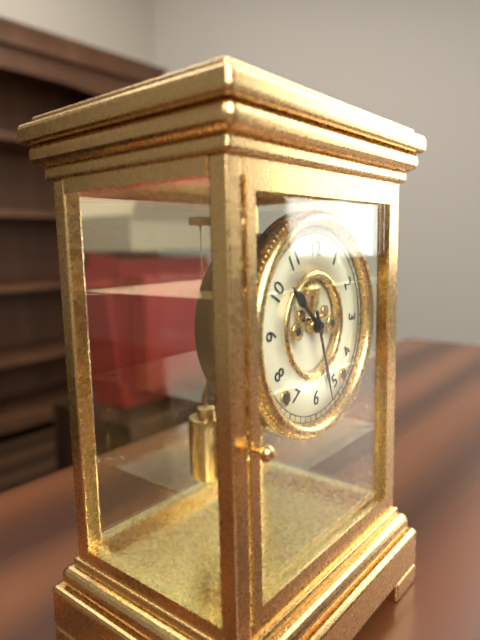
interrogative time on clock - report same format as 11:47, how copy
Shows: 10:27
